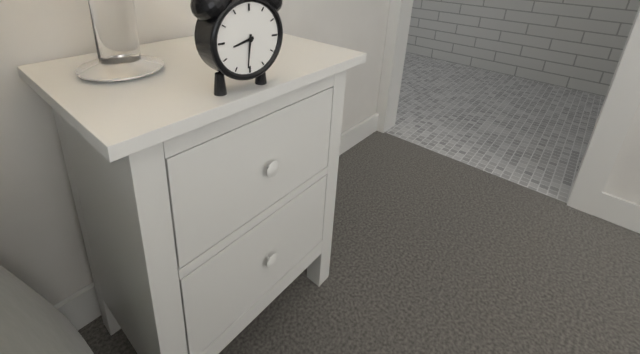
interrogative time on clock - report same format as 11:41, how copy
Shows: 8:31
